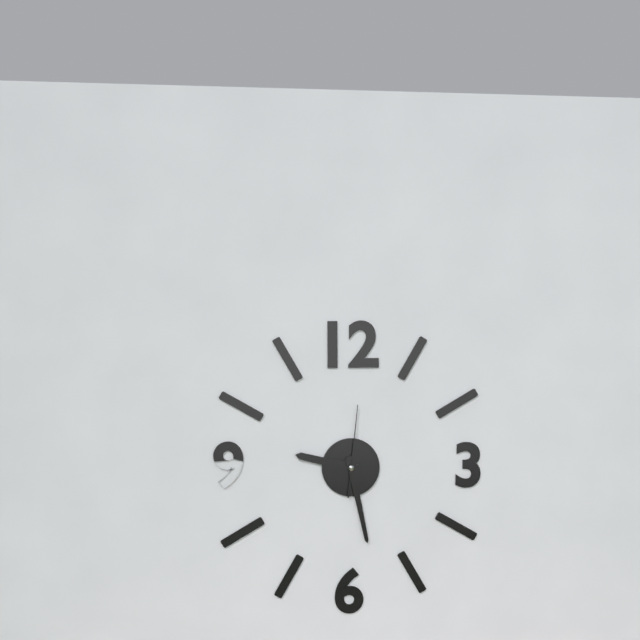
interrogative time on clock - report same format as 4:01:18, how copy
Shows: 9:28:01
